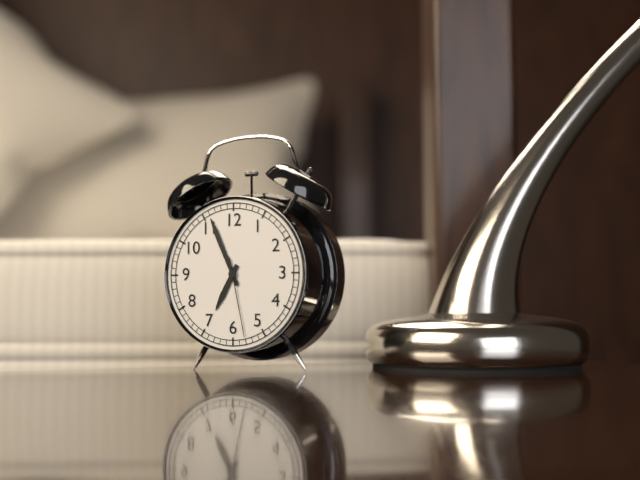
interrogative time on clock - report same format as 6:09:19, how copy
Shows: 6:56:28
